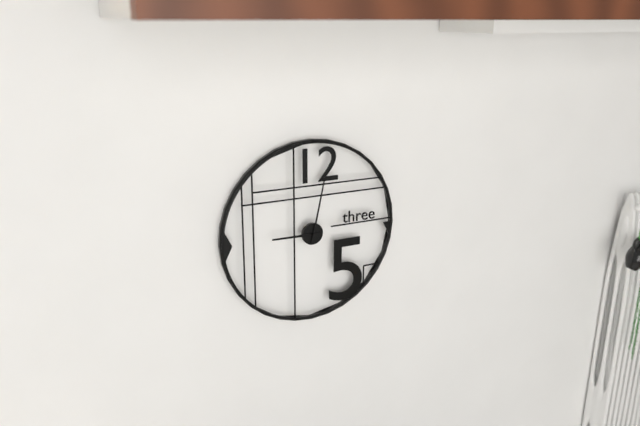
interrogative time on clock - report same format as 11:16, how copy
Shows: 9:02
